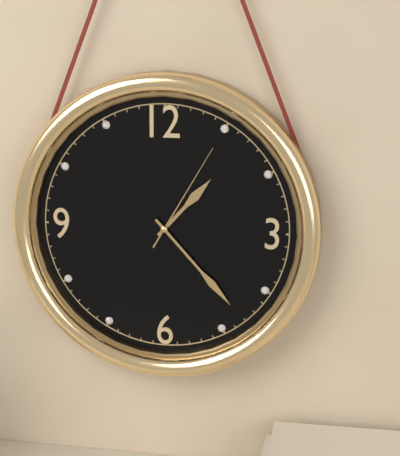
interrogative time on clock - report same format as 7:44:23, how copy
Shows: 1:23:05
